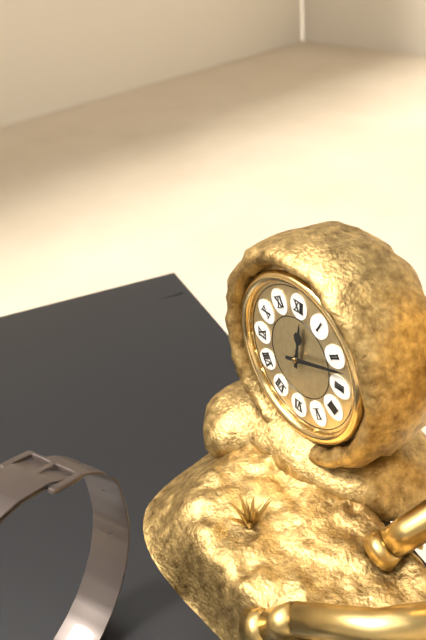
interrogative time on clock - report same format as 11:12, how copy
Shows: 12:12
